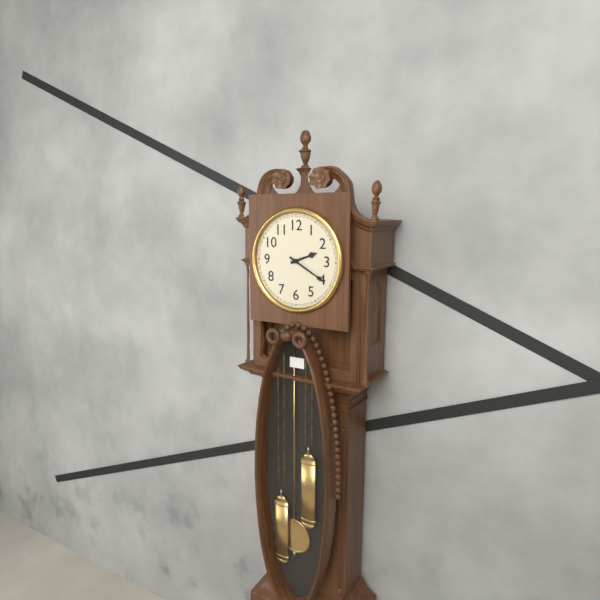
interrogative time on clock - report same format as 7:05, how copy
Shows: 2:20
